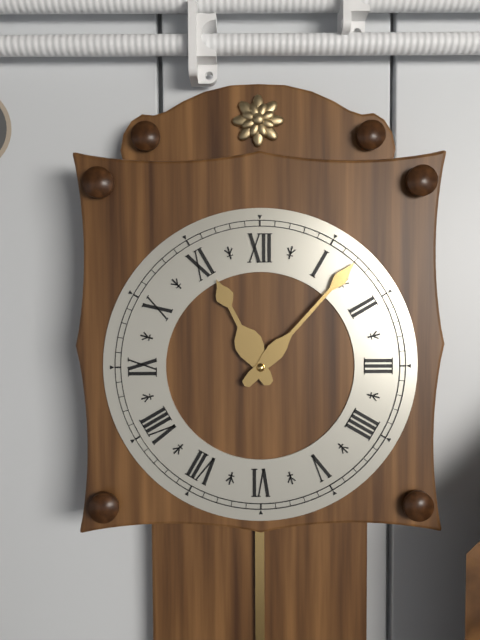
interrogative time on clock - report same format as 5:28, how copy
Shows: 11:07
